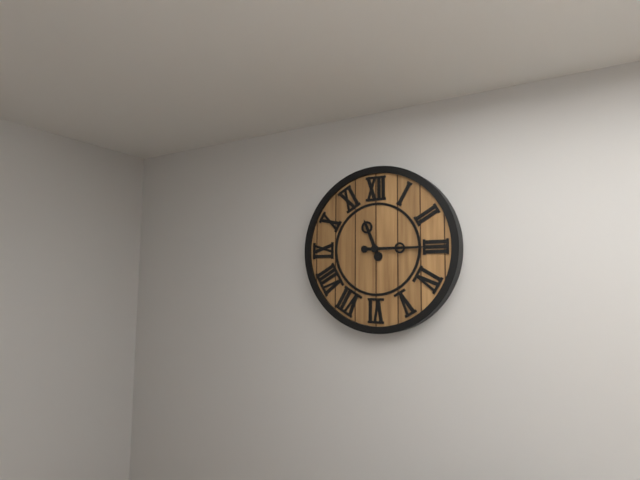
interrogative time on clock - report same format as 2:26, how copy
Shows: 11:15
